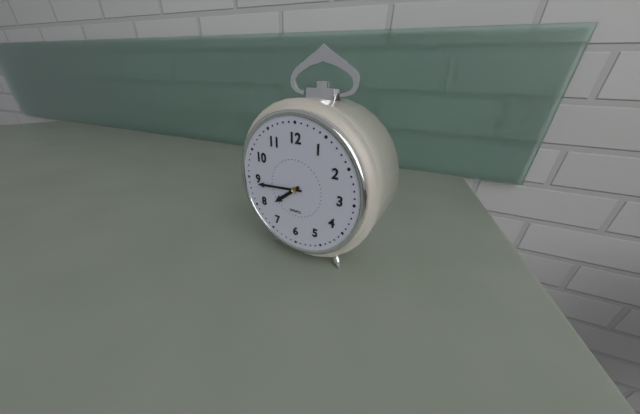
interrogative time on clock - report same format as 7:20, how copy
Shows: 7:44
